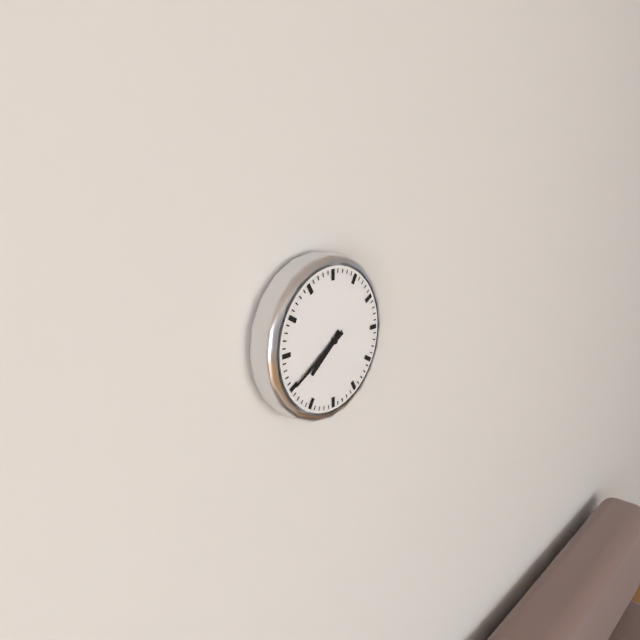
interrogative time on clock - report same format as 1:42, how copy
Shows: 7:40
